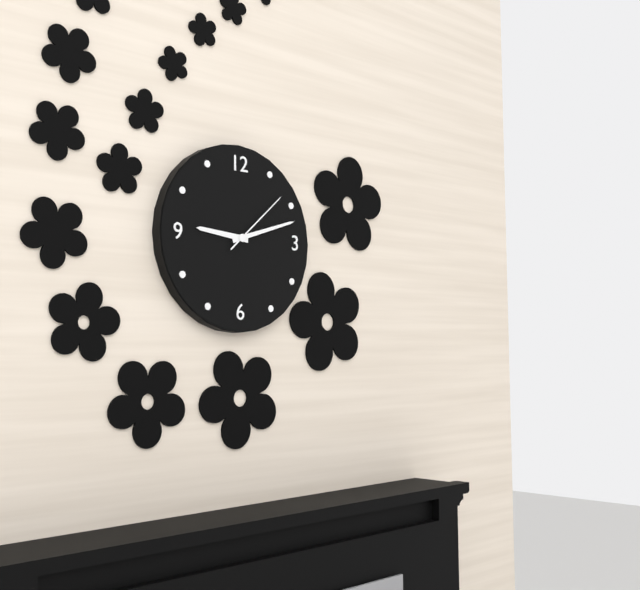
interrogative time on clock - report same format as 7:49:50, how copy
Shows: 9:12:08
